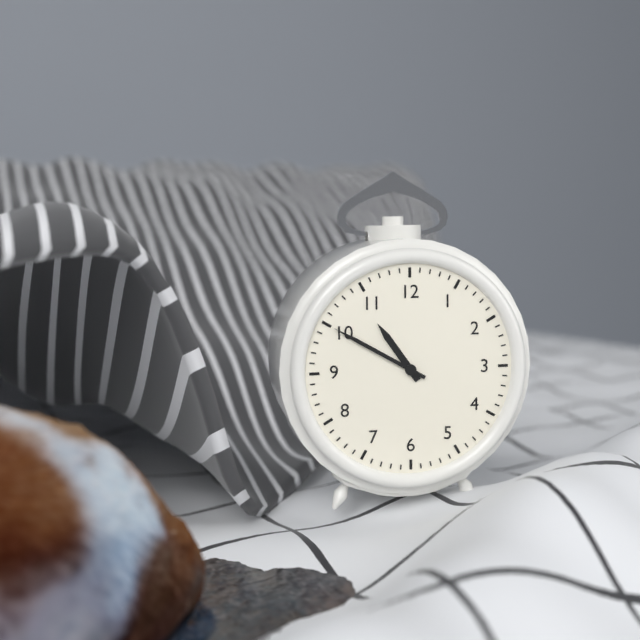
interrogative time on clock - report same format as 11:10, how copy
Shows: 10:50
